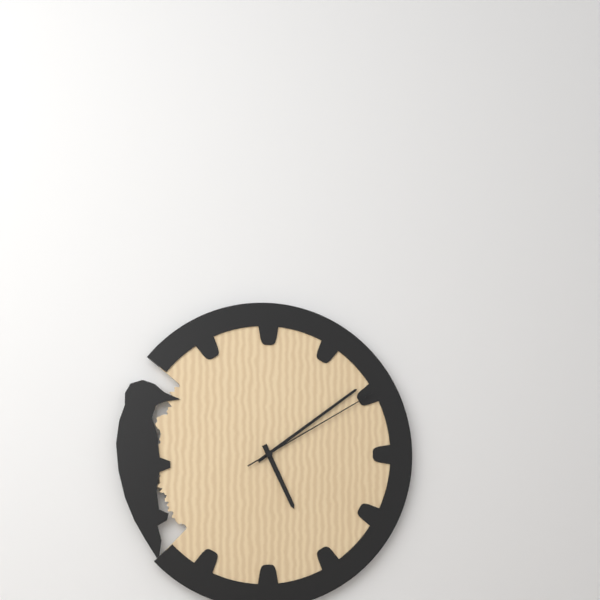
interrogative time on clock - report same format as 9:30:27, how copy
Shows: 5:09:10
